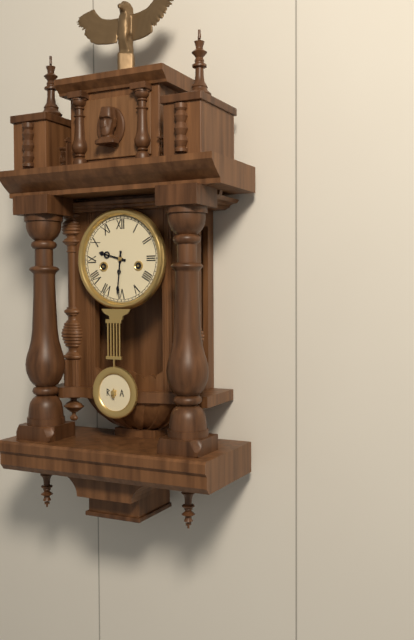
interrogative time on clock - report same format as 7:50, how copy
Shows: 9:31
